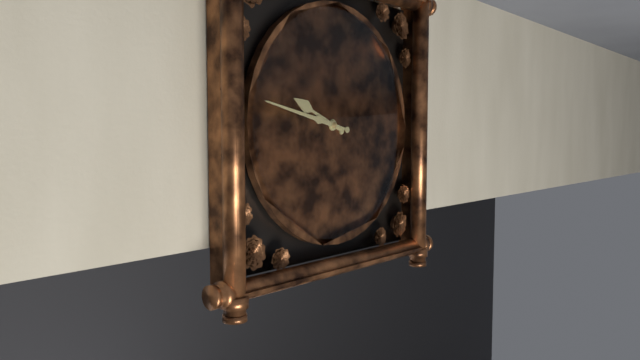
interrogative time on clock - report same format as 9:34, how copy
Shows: 9:47
